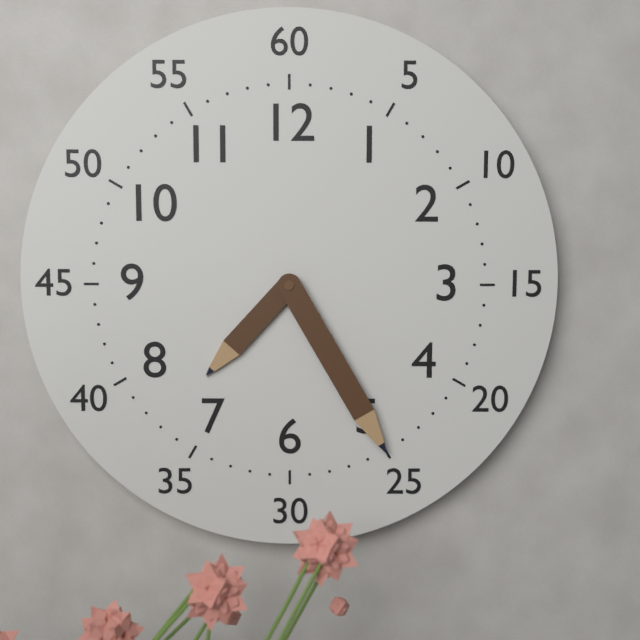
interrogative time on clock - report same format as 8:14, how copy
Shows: 7:25
